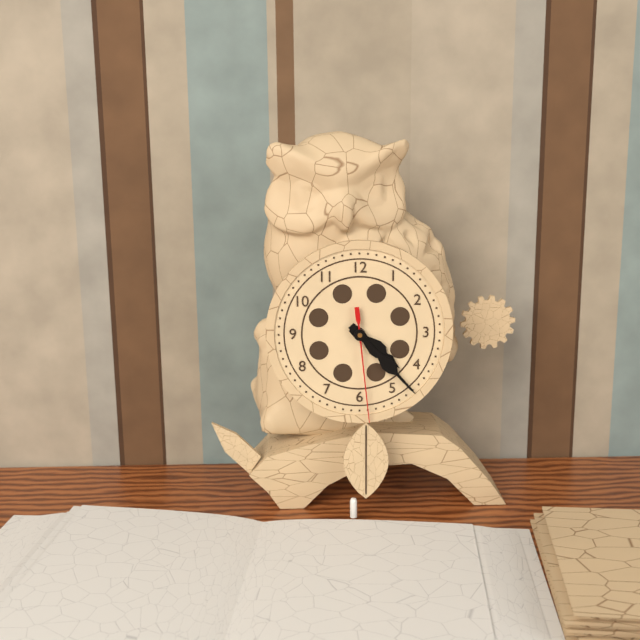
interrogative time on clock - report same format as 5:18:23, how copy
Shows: 4:23:29
